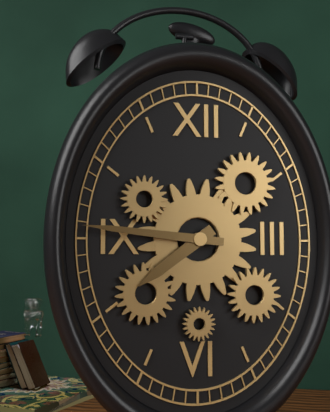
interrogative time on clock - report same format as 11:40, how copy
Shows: 7:46
